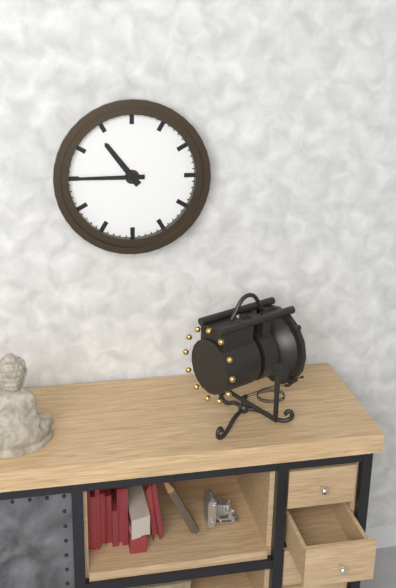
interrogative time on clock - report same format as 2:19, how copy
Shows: 10:45
